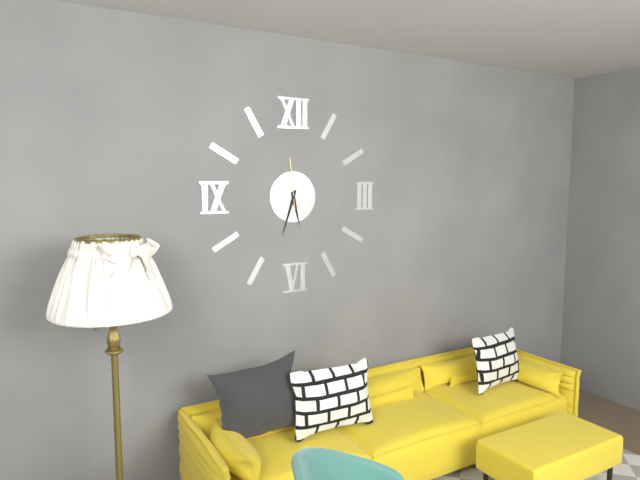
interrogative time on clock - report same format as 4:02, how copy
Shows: 5:33
